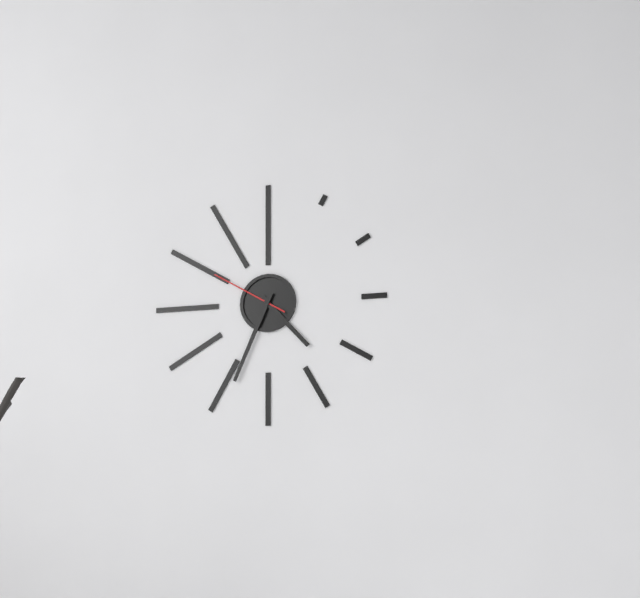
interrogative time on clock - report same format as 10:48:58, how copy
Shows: 4:34:50
